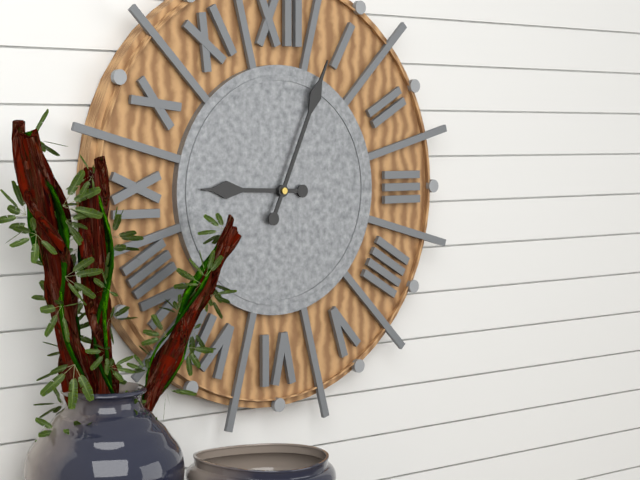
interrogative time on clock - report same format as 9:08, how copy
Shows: 9:04
